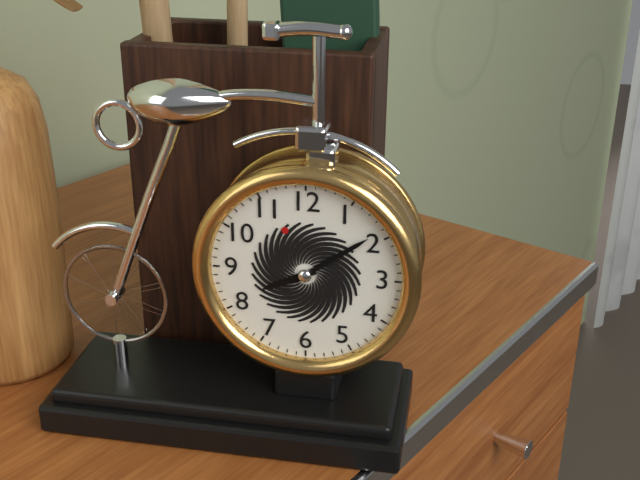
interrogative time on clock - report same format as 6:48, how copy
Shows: 8:09
